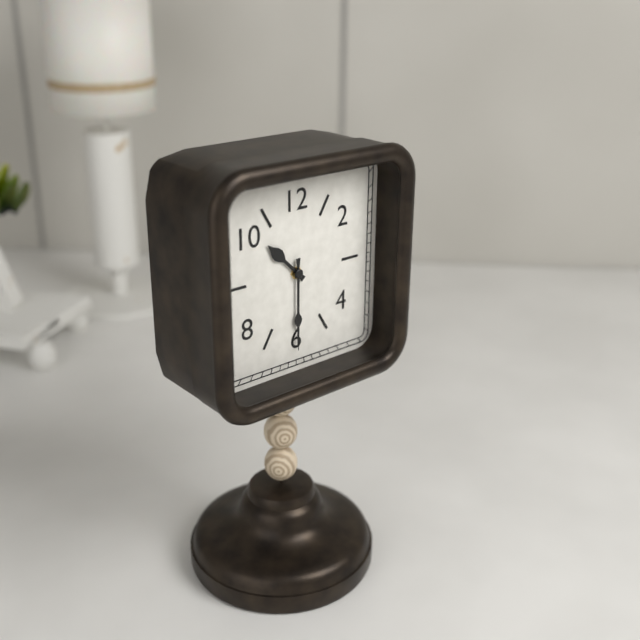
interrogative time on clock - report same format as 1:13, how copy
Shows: 10:30
